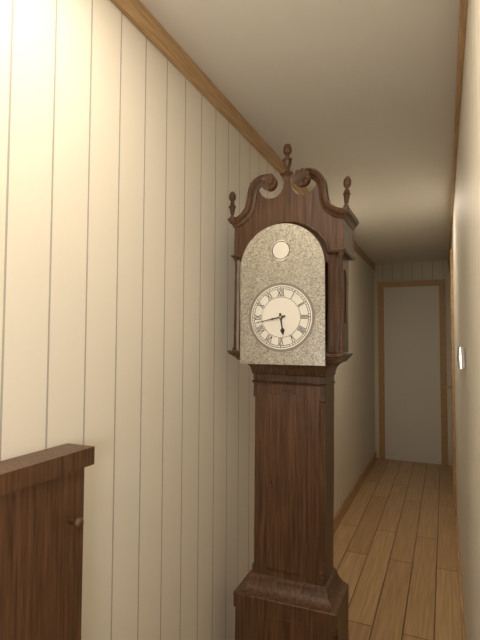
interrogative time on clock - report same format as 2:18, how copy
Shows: 5:43
